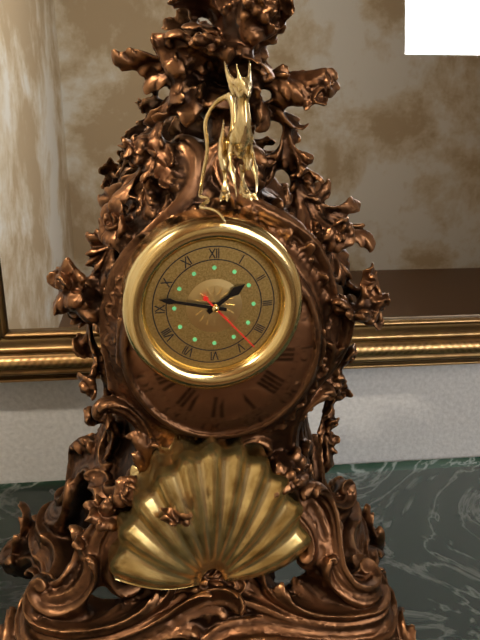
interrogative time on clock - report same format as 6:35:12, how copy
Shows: 1:47:23
